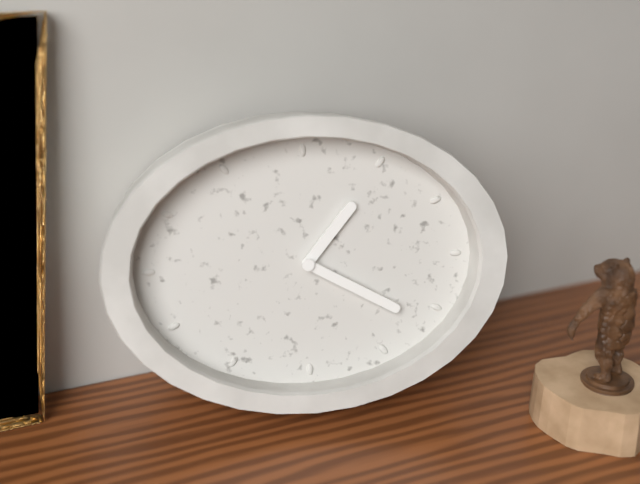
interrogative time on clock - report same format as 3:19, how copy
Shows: 1:20
